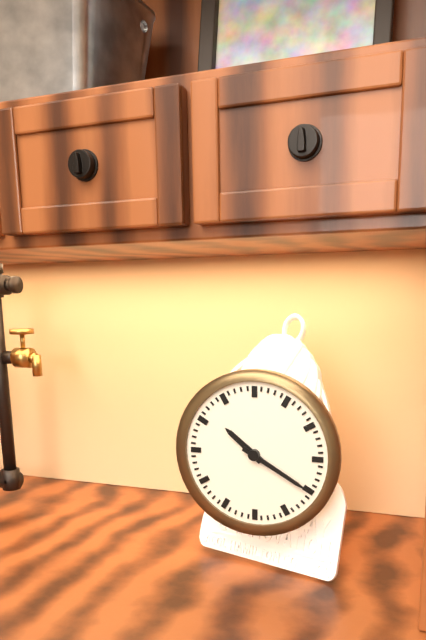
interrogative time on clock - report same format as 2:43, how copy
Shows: 10:20
